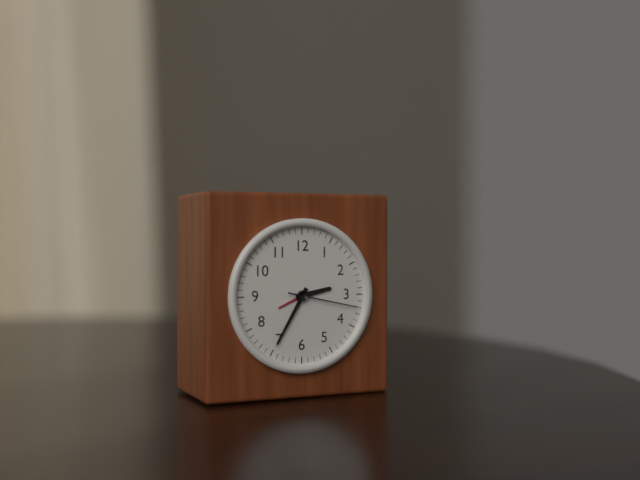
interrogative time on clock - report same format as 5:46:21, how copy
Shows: 2:35:17
